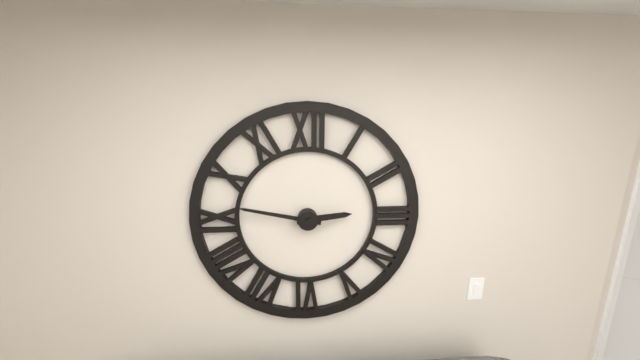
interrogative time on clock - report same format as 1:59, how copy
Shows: 2:47
